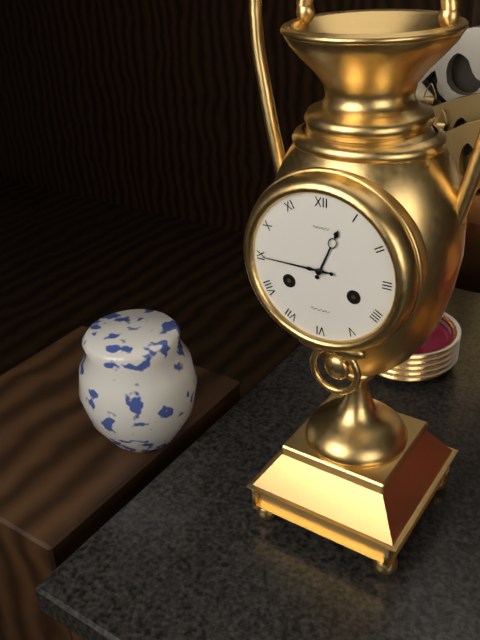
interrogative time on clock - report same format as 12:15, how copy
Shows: 12:45
